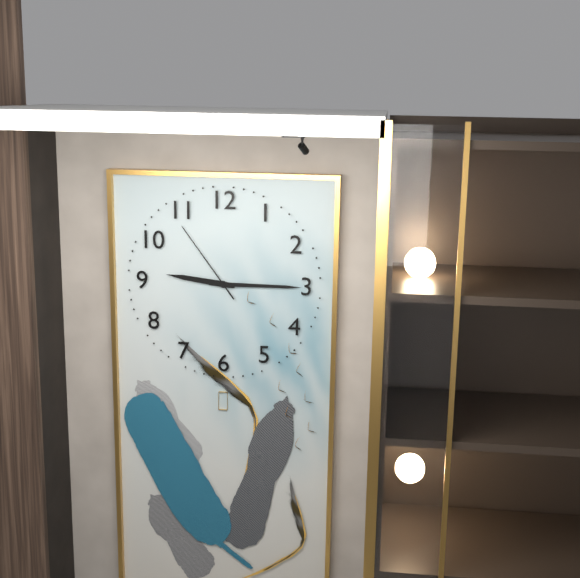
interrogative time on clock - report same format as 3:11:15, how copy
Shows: 9:15:54
